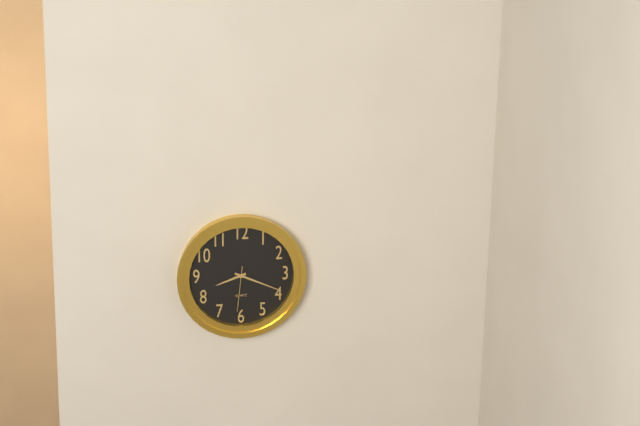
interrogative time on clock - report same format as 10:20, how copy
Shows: 8:19
